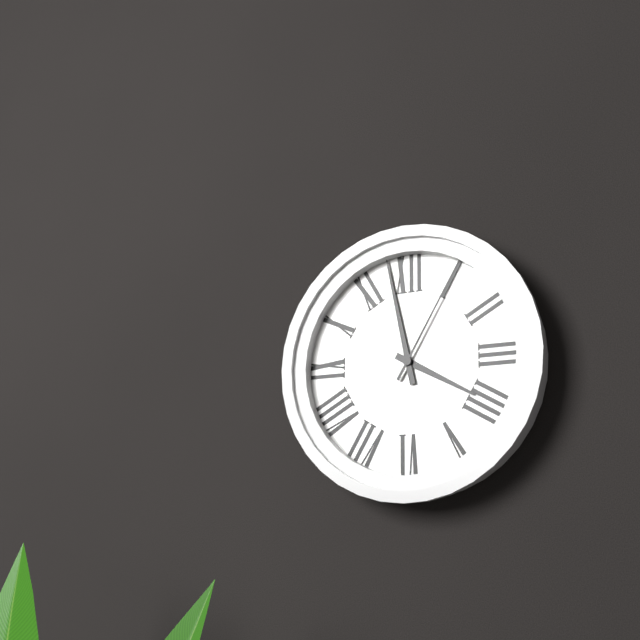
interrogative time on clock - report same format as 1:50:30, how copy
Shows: 3:58:05
